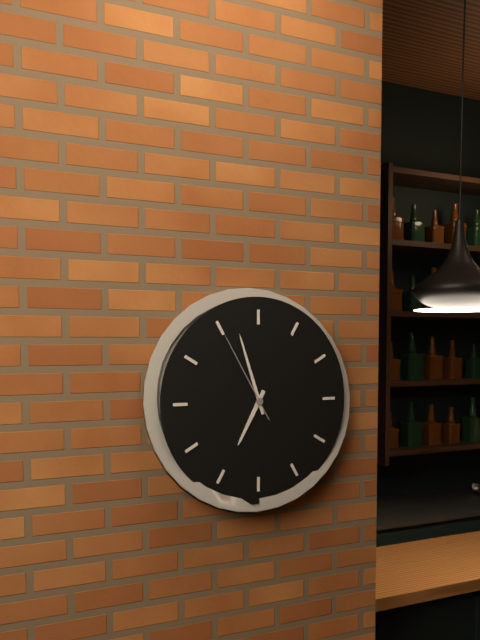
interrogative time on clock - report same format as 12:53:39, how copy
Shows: 6:57:55
